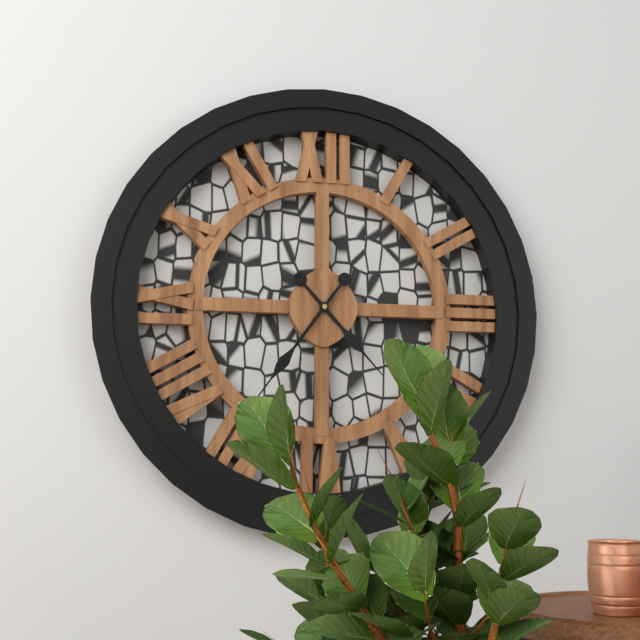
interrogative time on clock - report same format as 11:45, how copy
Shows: 4:36
